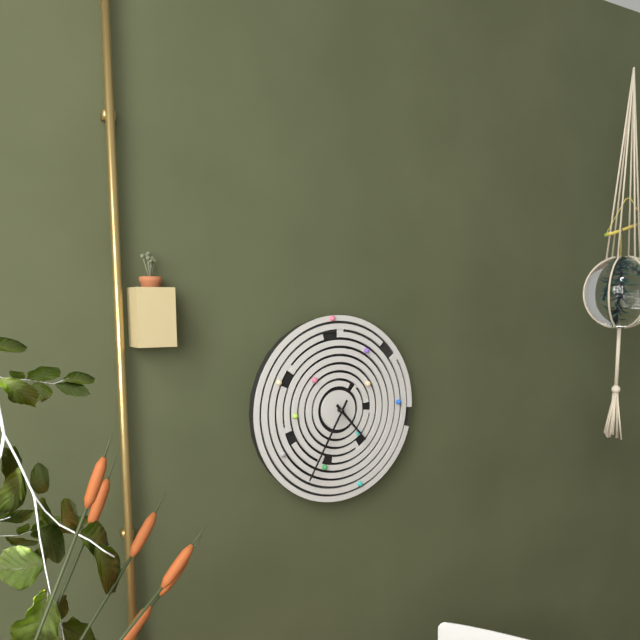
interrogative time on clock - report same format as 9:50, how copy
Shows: 4:35
